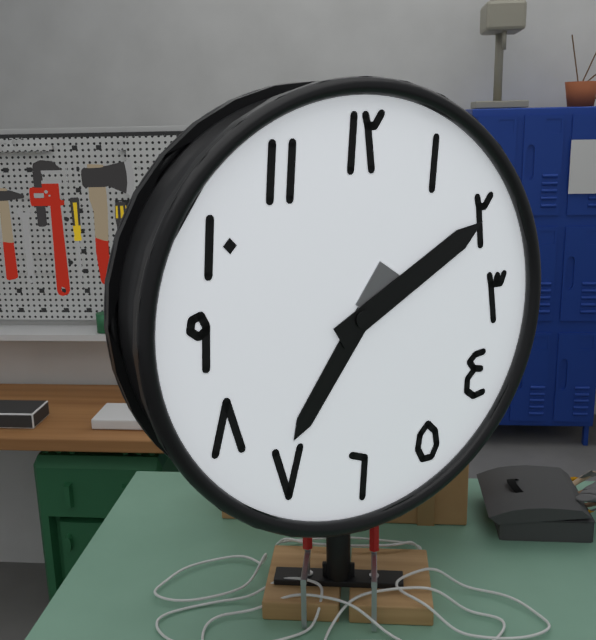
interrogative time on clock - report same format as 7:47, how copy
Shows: 7:10
